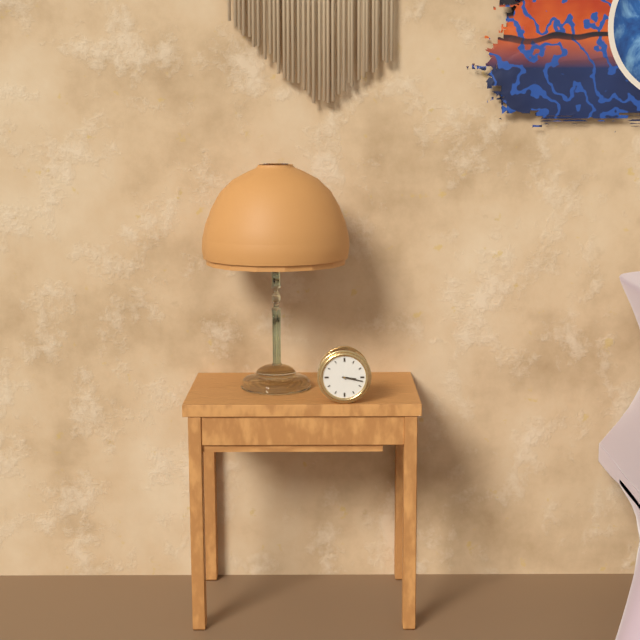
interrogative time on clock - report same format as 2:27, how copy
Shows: 3:17
